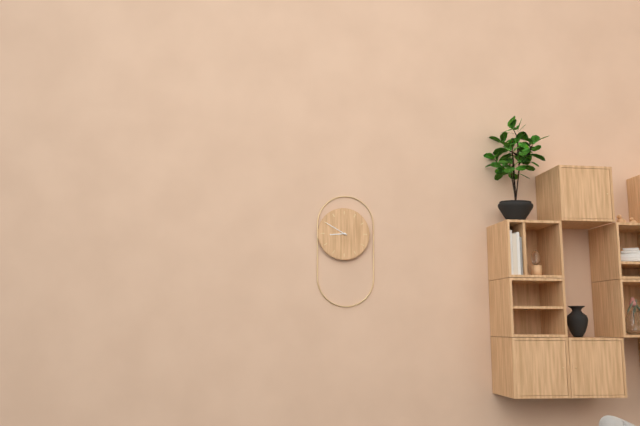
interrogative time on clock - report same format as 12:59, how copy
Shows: 8:50
